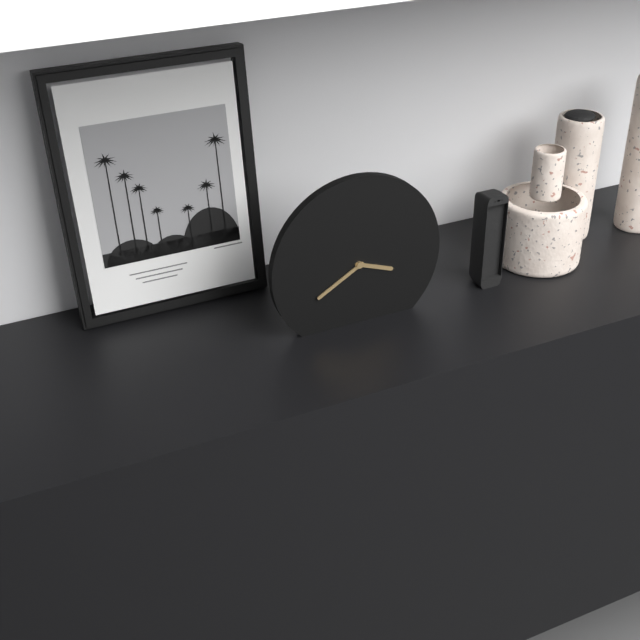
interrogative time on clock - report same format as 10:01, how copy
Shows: 3:40
